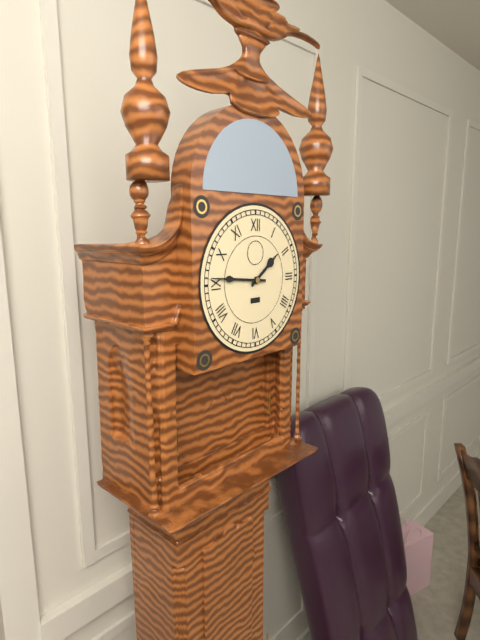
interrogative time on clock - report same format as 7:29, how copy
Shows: 1:46
